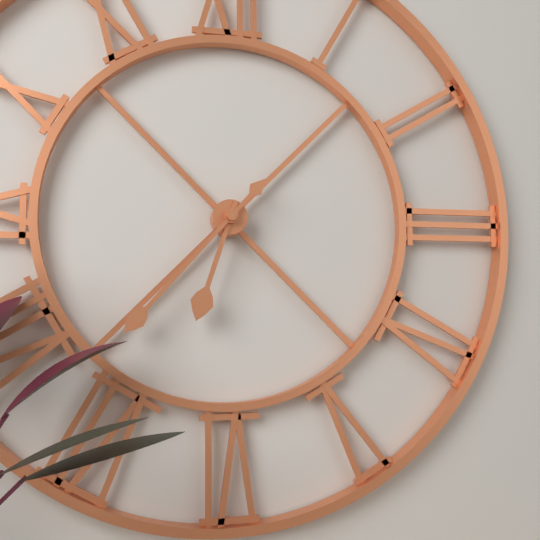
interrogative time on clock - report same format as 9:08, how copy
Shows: 6:37
